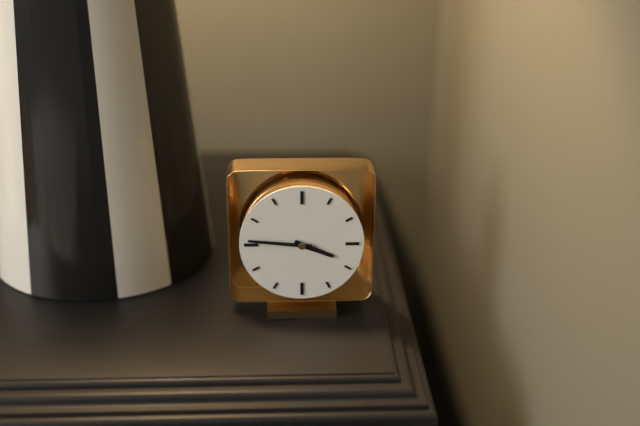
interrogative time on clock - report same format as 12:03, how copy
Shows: 3:46
